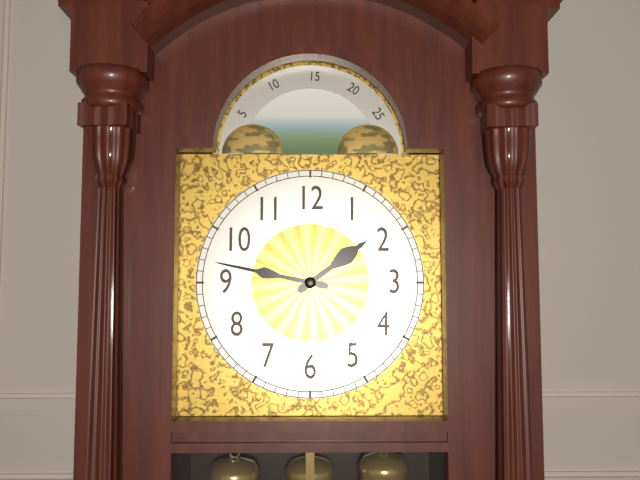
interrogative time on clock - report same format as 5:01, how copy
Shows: 1:47
